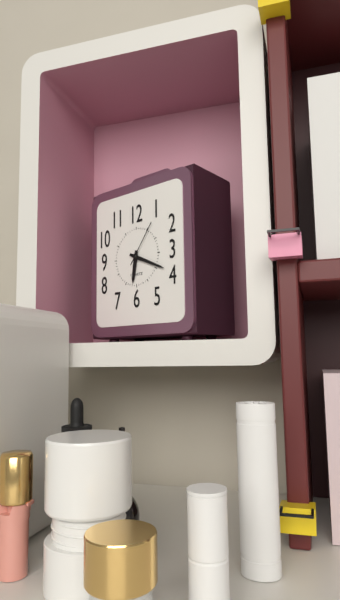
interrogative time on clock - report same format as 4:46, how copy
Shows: 6:19
